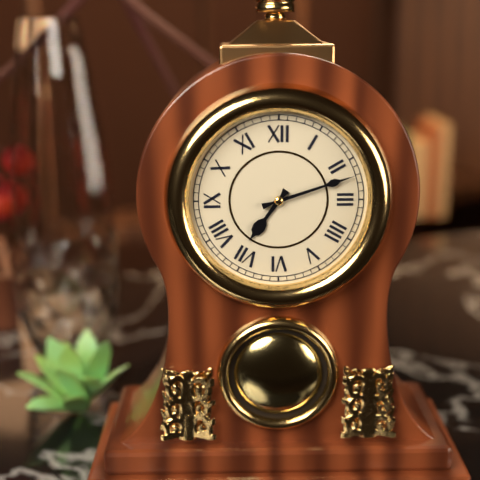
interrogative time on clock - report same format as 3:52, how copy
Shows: 7:12
